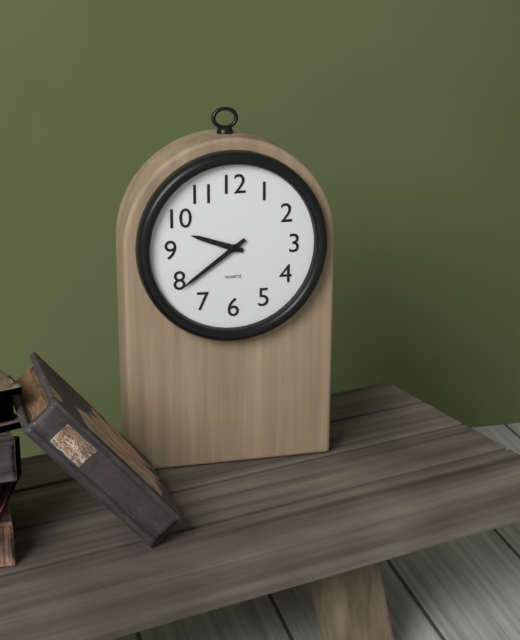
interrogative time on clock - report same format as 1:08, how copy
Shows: 9:39
